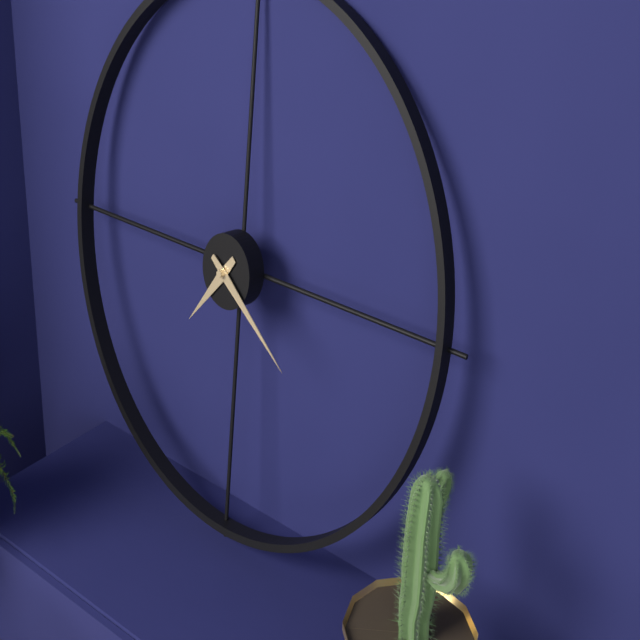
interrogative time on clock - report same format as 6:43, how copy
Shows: 7:21
